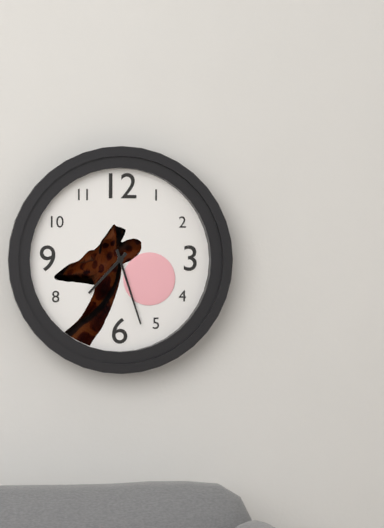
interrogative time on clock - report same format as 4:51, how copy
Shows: 7:27
